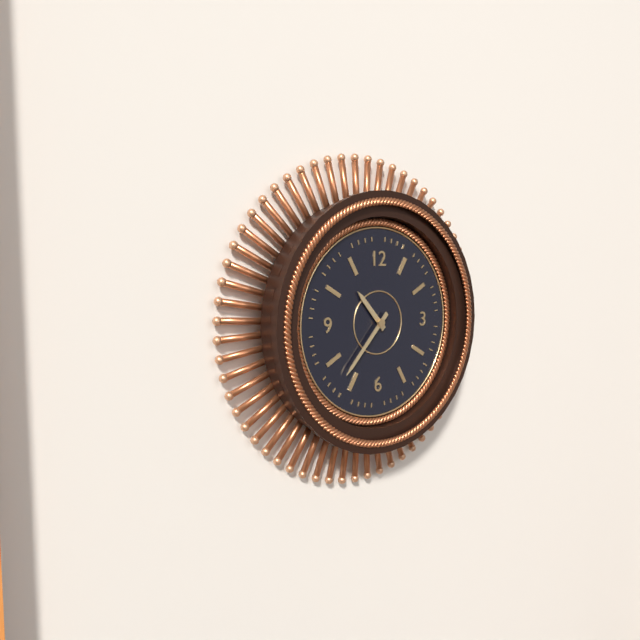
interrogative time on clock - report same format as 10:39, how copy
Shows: 10:37
